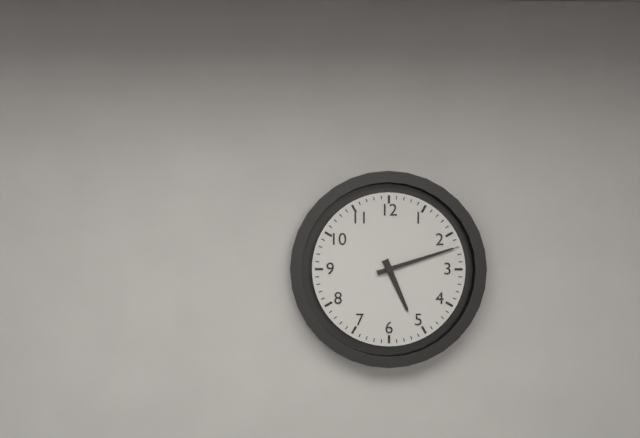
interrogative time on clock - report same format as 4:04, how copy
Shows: 5:12
